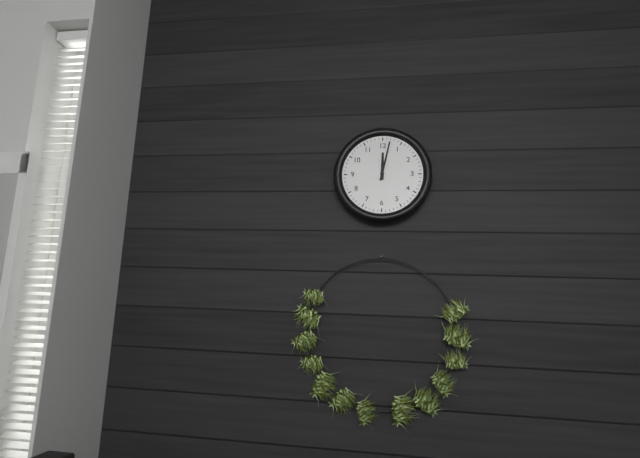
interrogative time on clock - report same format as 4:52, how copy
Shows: 12:02
